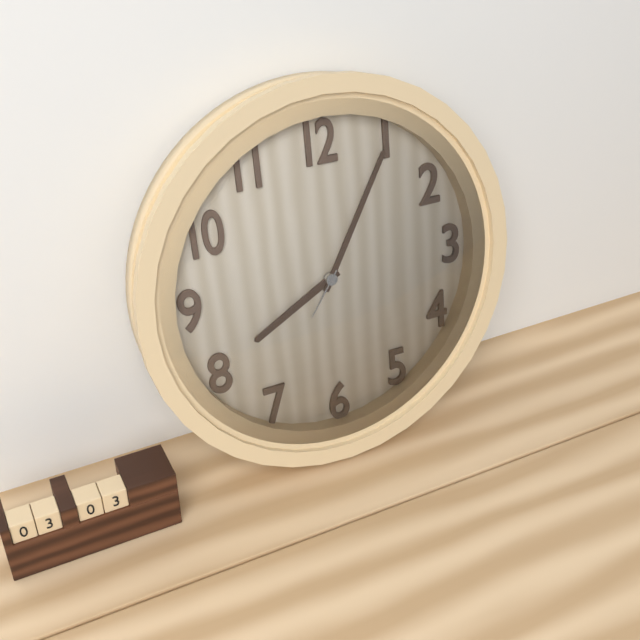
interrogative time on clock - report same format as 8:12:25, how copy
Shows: 8:05:36
